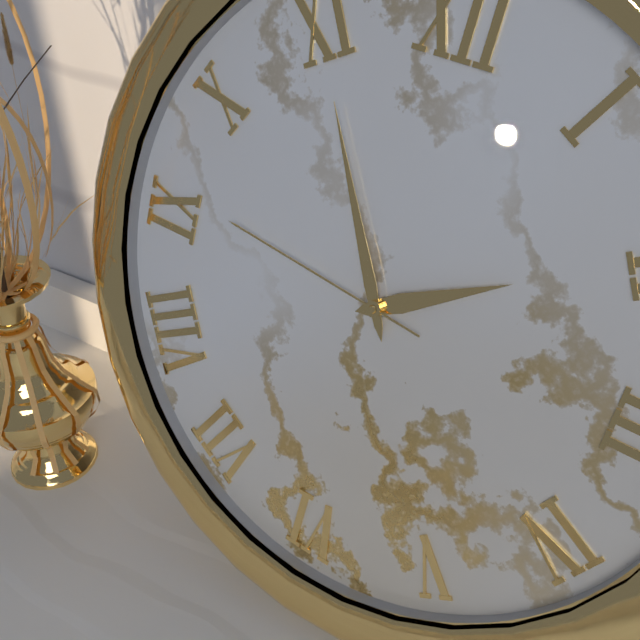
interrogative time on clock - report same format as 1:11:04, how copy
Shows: 1:55:46
